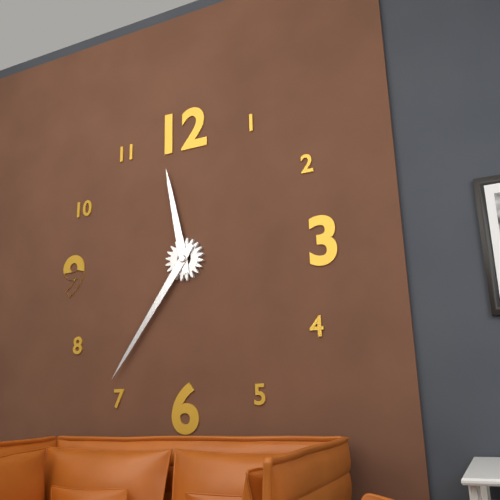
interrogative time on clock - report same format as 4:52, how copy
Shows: 11:36
